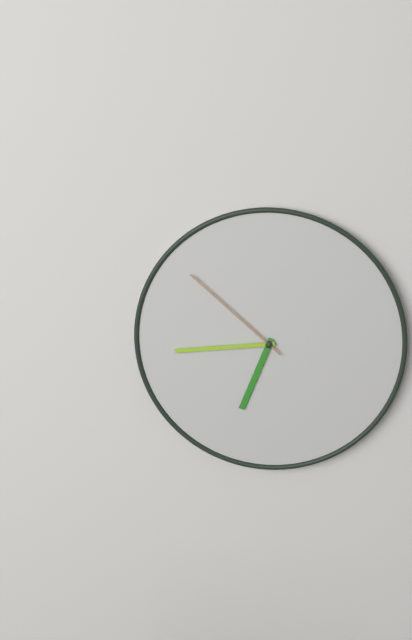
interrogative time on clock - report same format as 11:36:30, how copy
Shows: 6:44:52
